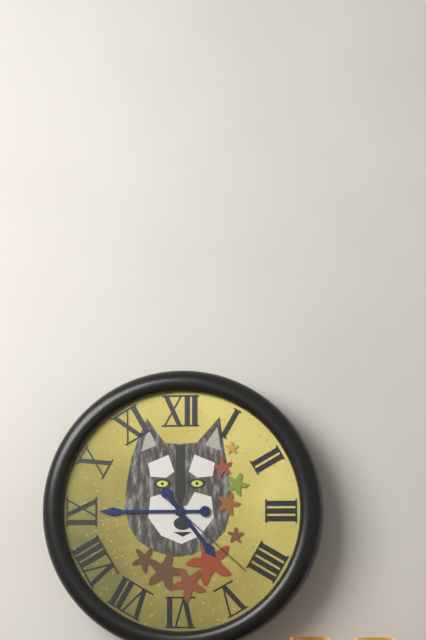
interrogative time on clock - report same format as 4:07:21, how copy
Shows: 4:45:22
